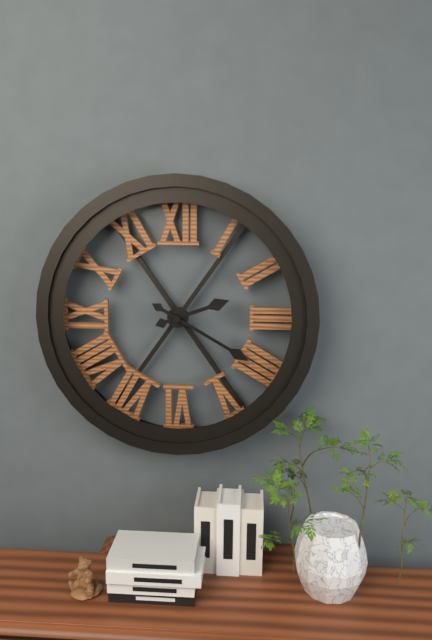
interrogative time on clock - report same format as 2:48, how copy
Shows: 2:20
